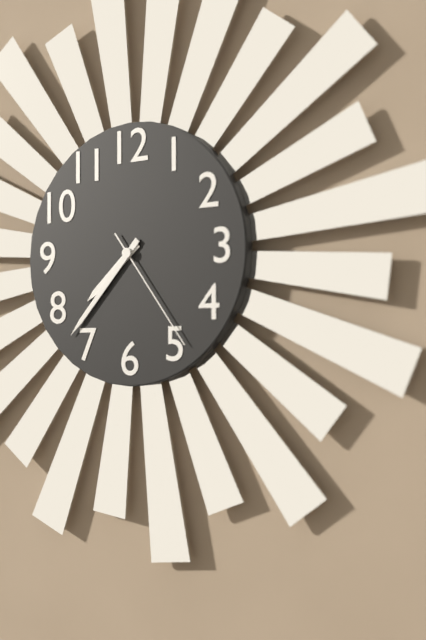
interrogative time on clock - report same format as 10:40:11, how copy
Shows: 7:37:24
